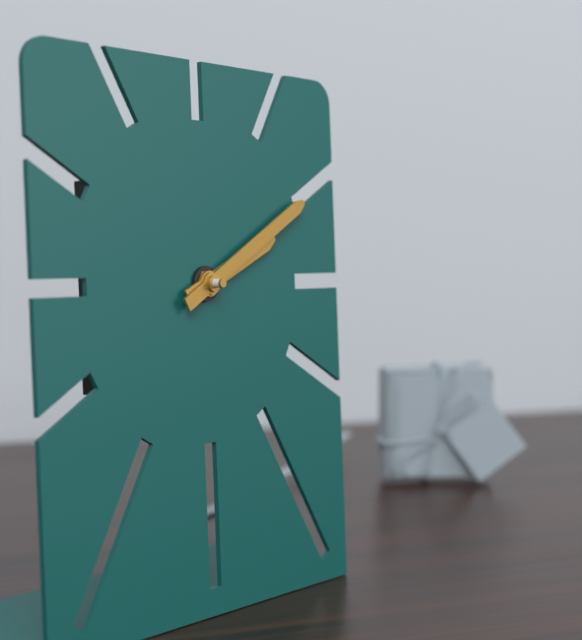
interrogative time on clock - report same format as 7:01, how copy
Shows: 2:10
